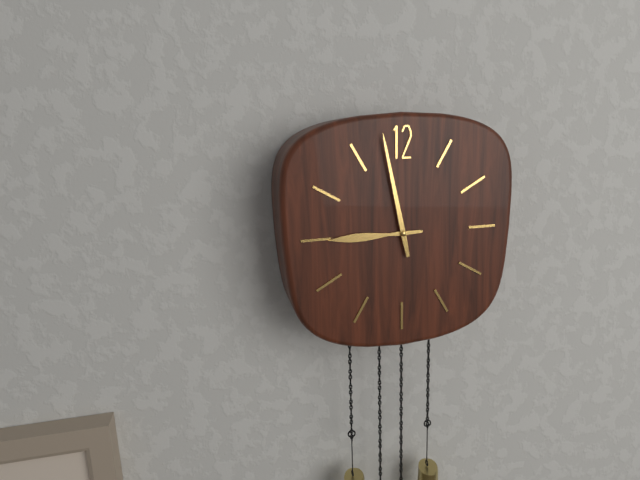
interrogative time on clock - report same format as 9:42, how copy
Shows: 8:58
